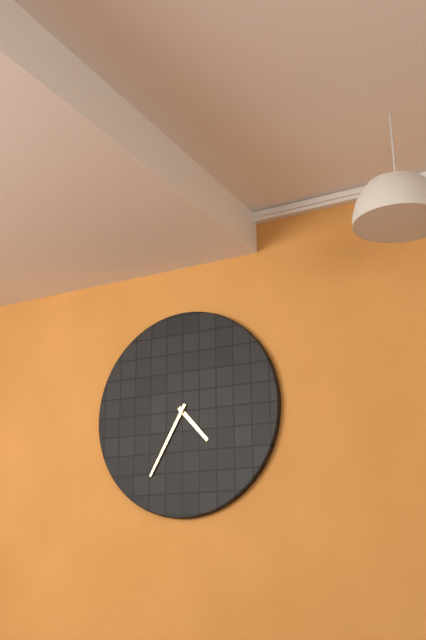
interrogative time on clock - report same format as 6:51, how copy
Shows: 4:35
